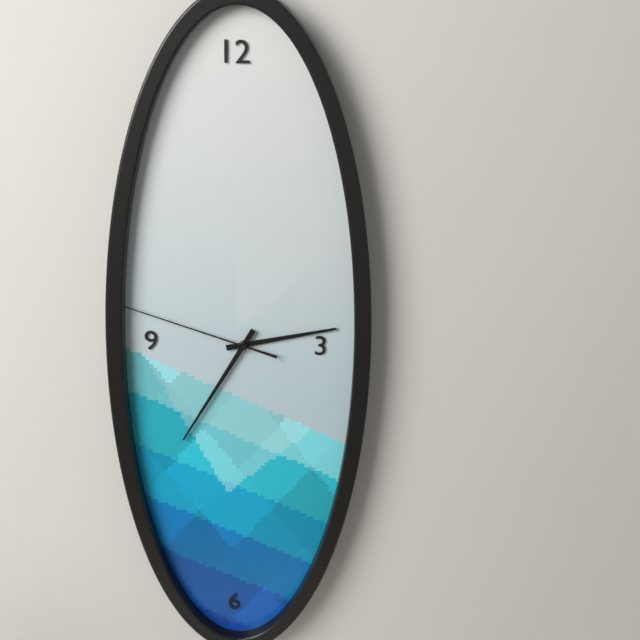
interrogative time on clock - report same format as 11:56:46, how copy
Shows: 2:35:48
